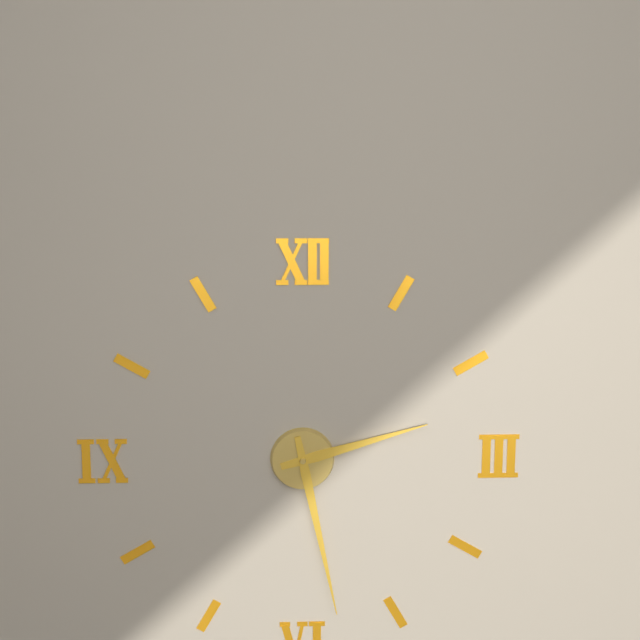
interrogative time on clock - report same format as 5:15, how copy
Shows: 2:28
